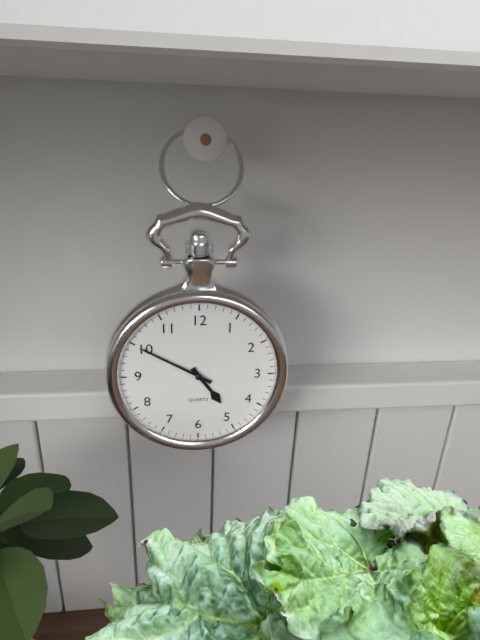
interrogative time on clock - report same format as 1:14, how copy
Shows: 4:50
